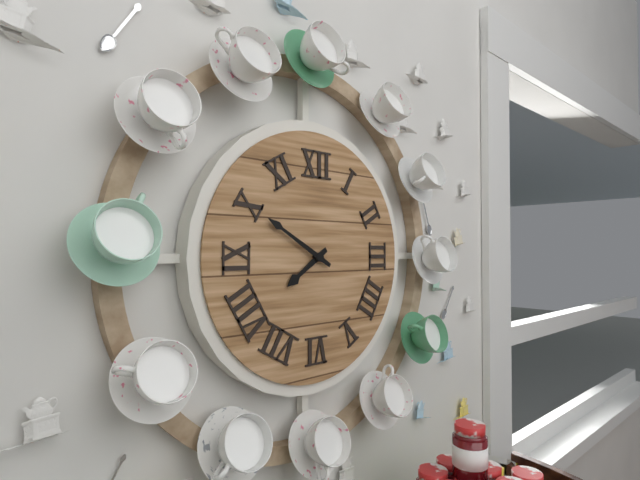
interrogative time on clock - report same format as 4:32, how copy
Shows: 7:50
